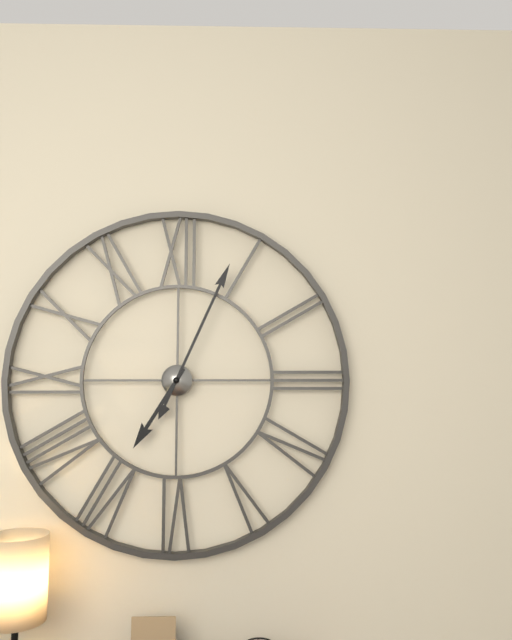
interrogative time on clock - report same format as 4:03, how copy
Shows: 7:04
